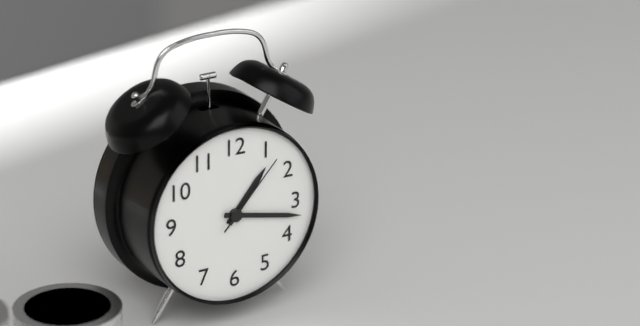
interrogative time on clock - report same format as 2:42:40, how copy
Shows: 1:17:07
